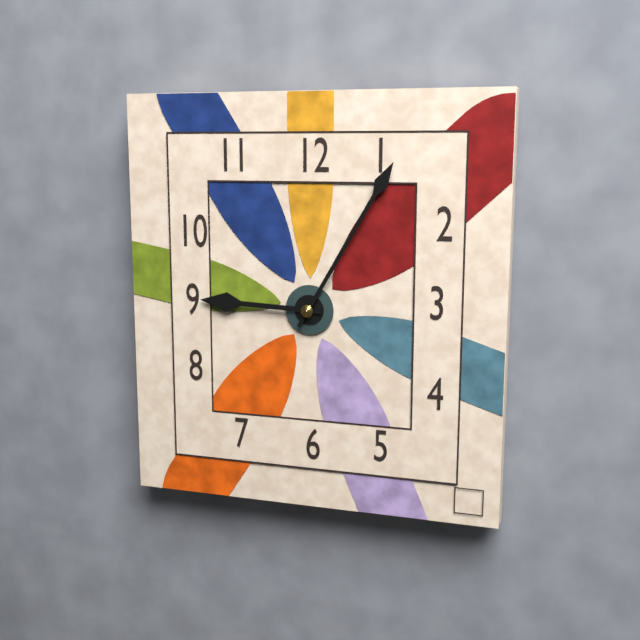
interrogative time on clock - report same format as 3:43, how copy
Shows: 9:05
